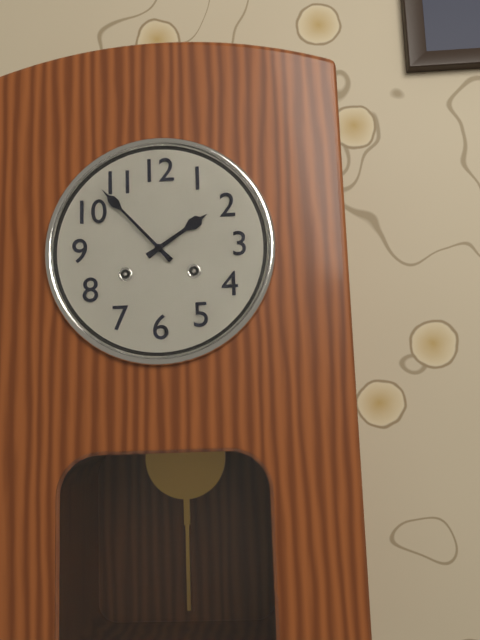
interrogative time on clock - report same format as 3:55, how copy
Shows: 1:53
